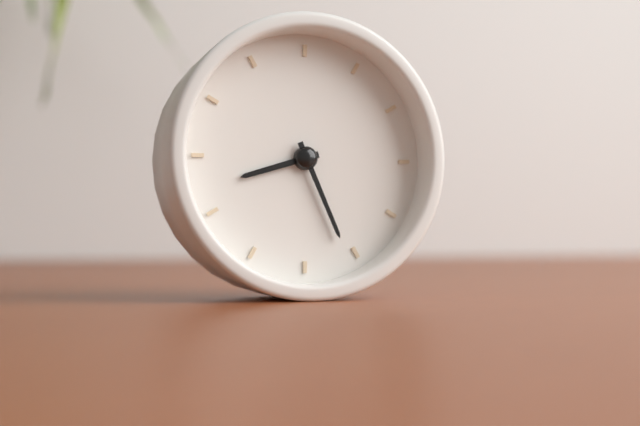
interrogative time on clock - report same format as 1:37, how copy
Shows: 8:26
